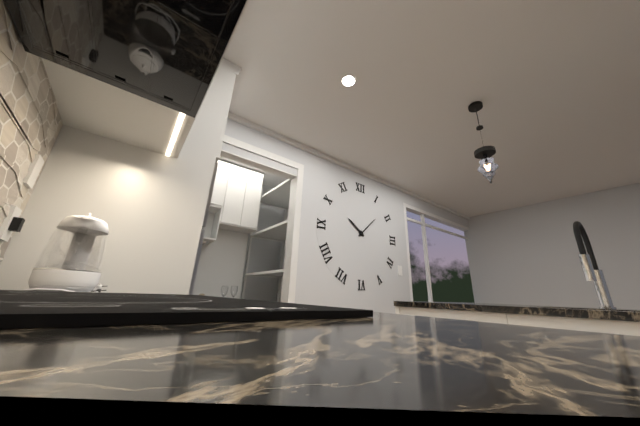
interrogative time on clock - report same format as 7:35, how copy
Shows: 10:08
